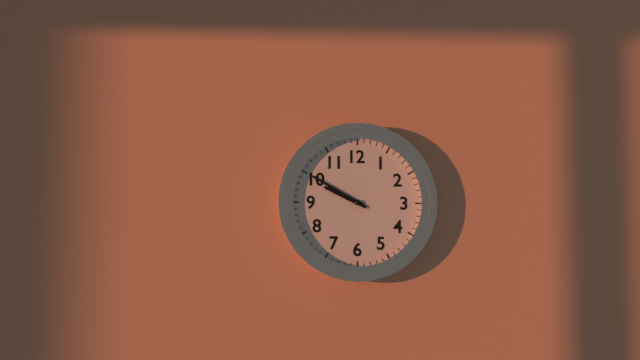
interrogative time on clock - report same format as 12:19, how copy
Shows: 9:50
